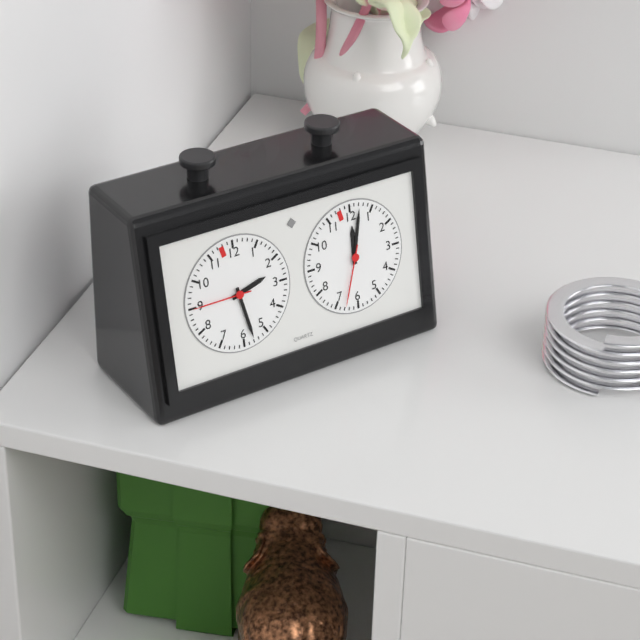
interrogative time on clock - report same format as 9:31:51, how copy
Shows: 2:28:45
